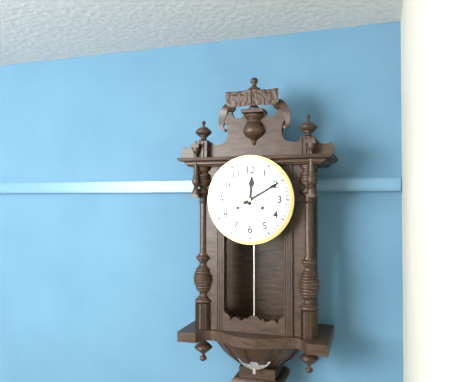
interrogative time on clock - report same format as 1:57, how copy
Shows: 12:10
